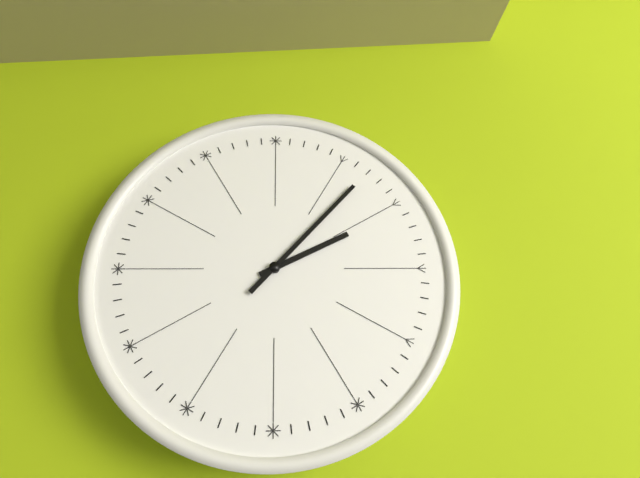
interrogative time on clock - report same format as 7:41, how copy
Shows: 2:07
